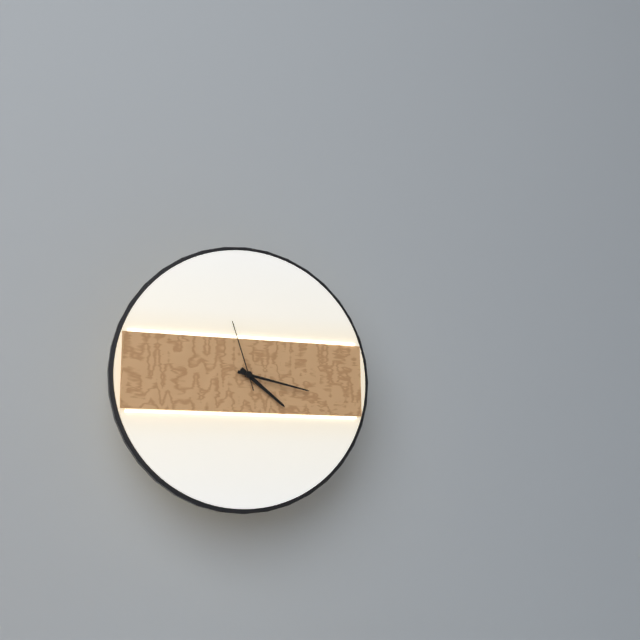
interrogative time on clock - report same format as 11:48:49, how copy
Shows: 4:17:57
